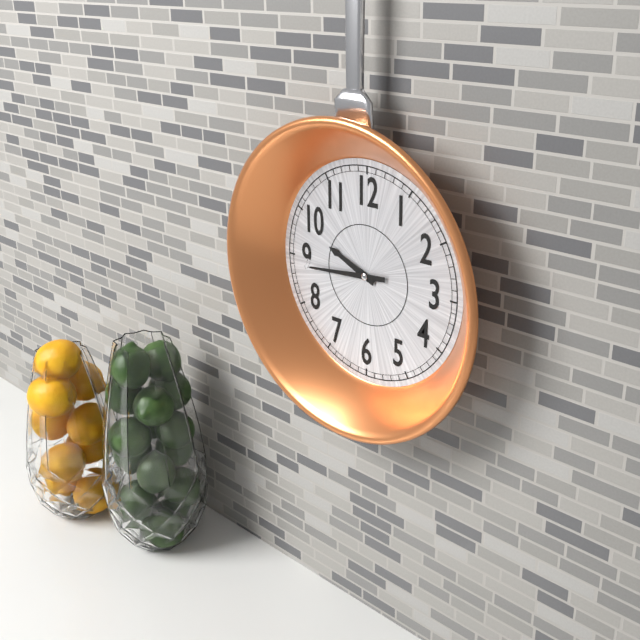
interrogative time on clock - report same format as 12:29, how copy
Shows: 9:44
